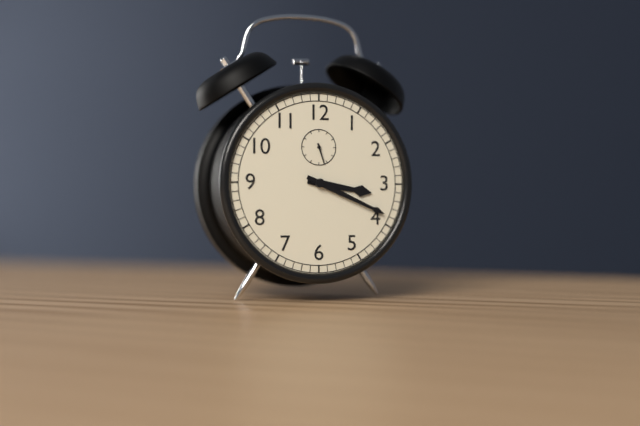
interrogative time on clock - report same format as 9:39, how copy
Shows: 3:19
